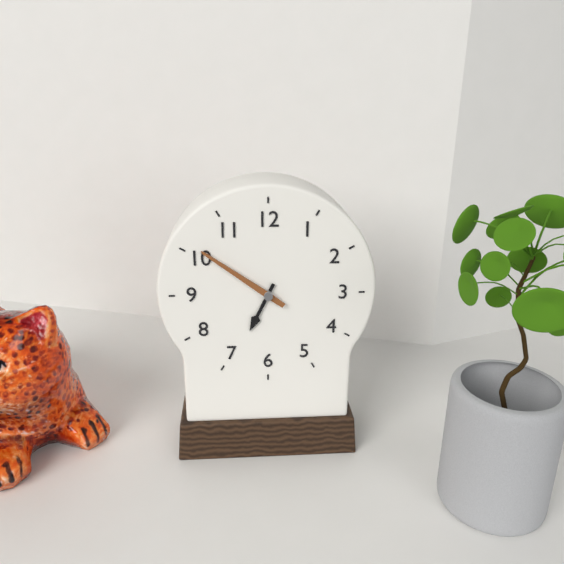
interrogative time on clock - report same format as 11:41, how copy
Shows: 6:51
